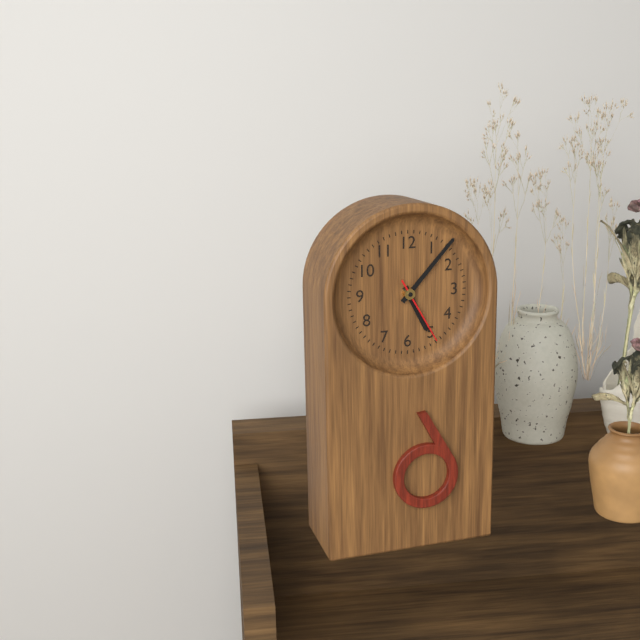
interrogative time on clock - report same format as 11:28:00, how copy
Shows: 5:07:25
